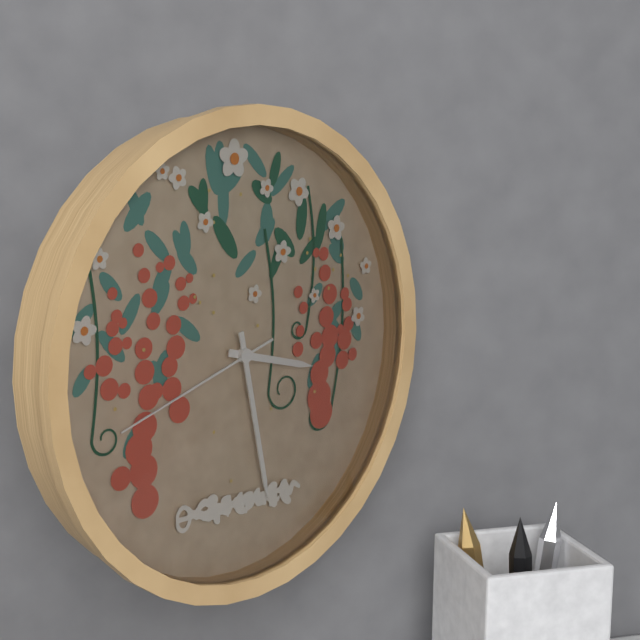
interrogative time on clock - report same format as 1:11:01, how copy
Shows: 3:28:42
